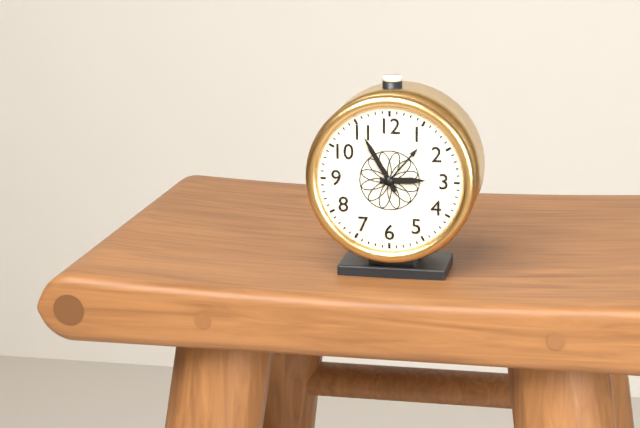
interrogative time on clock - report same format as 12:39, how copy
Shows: 2:55
